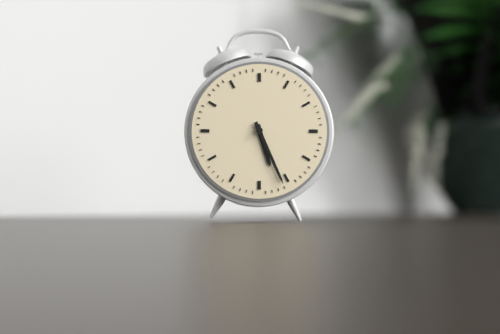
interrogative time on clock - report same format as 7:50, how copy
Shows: 5:26
